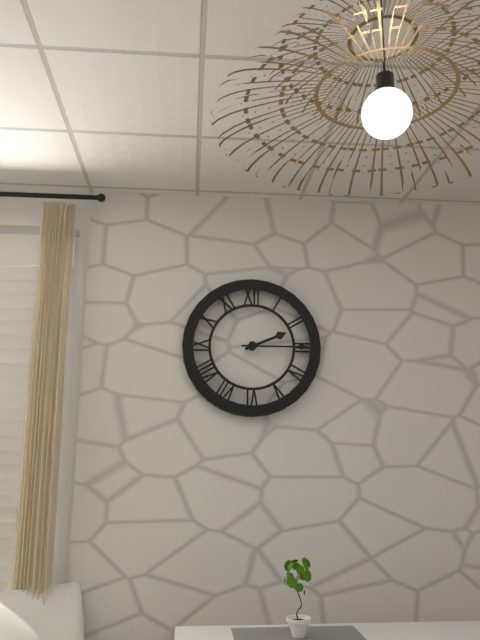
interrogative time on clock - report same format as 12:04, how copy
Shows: 2:15
